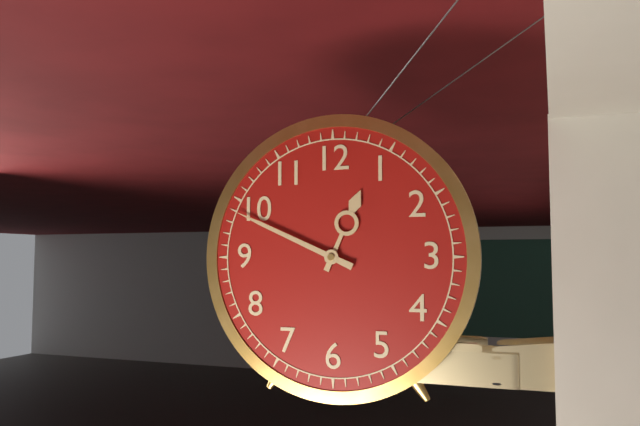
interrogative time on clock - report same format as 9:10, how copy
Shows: 12:49
